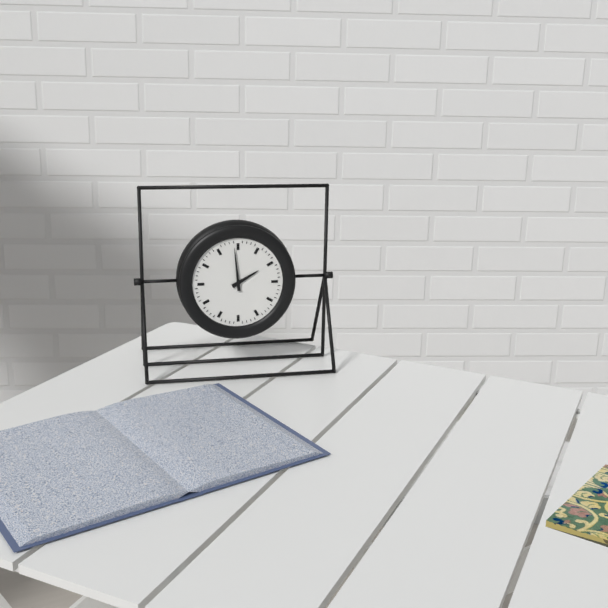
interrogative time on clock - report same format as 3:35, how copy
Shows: 1:59
